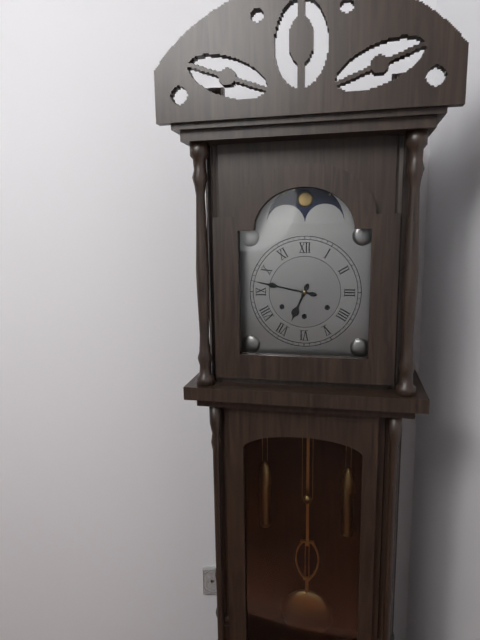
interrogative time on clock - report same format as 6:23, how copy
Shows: 6:47
